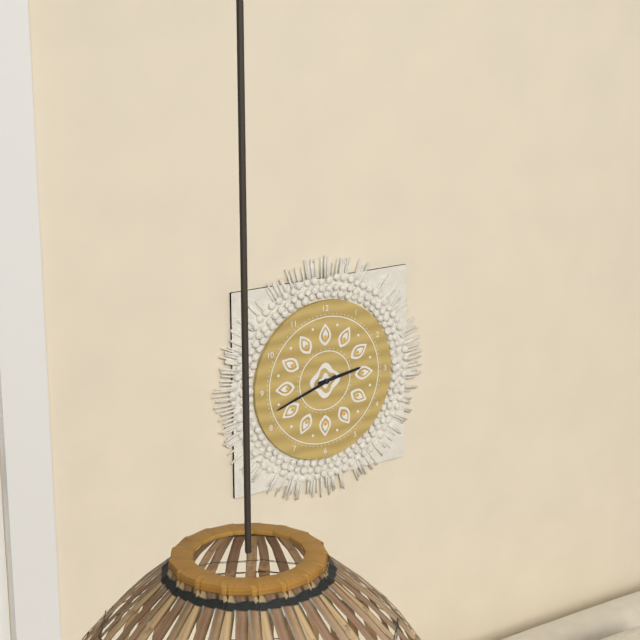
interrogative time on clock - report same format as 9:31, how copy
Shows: 2:42
